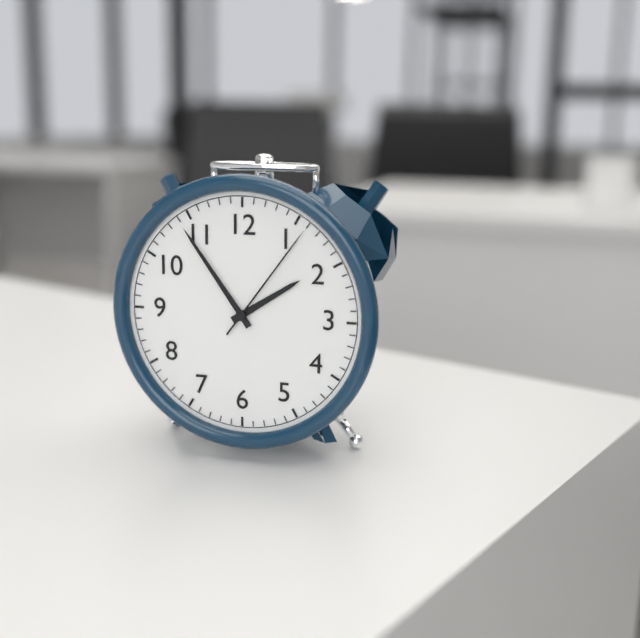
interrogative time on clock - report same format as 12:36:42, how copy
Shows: 1:54:06
